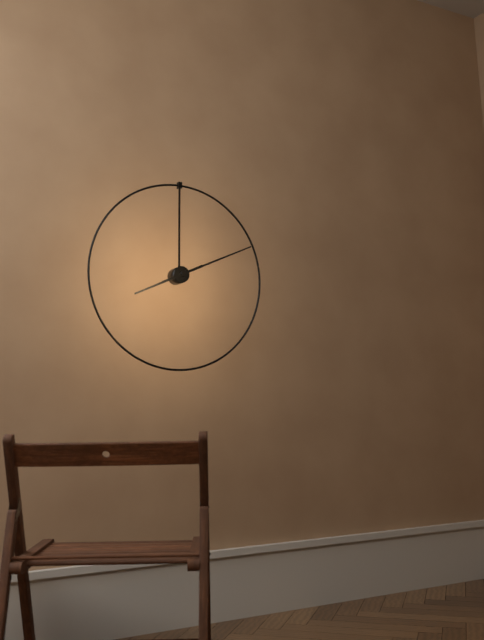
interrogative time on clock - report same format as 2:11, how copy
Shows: 8:11
